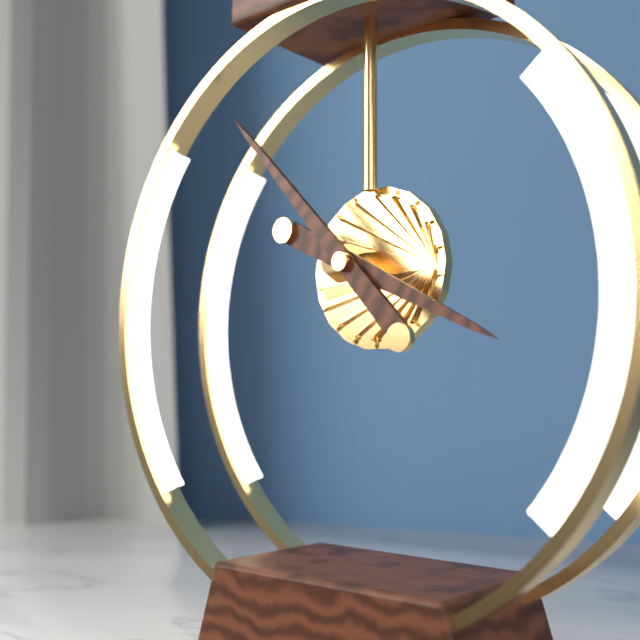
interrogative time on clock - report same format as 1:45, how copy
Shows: 3:53
